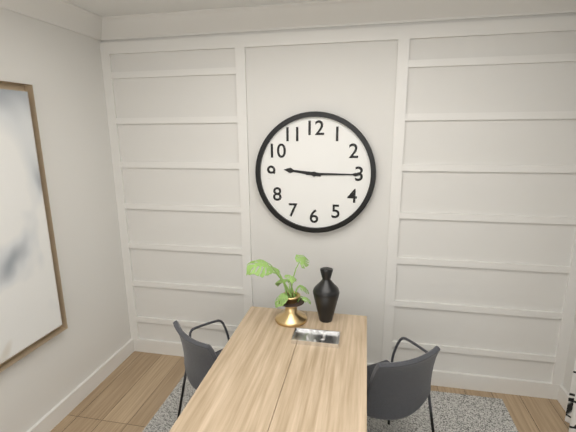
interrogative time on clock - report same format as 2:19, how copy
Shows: 9:15
